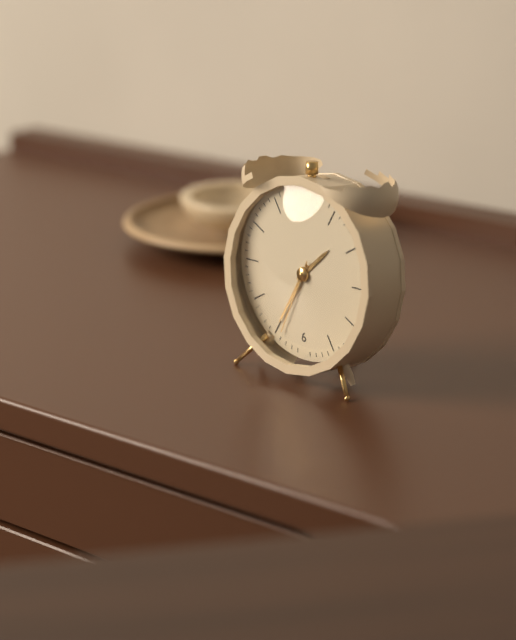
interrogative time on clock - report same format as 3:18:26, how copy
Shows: 1:35:34
